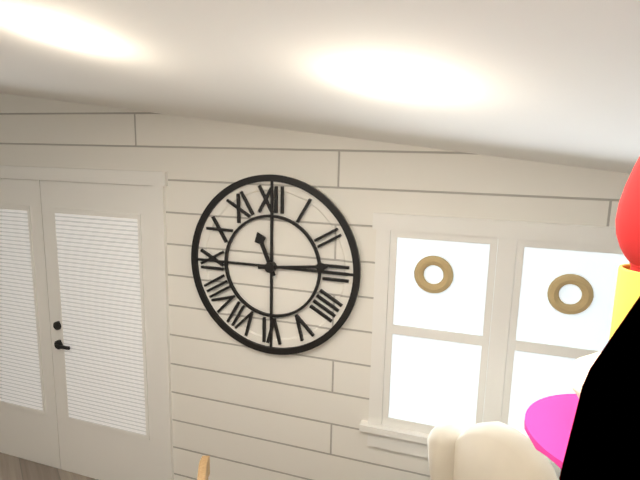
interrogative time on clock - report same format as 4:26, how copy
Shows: 11:14
